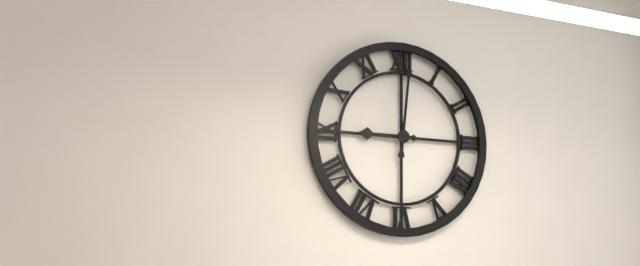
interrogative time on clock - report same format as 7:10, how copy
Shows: 9:01
